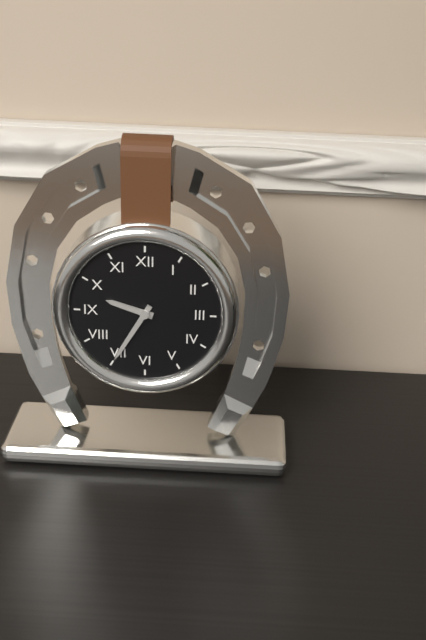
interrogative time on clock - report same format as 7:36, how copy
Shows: 9:35
